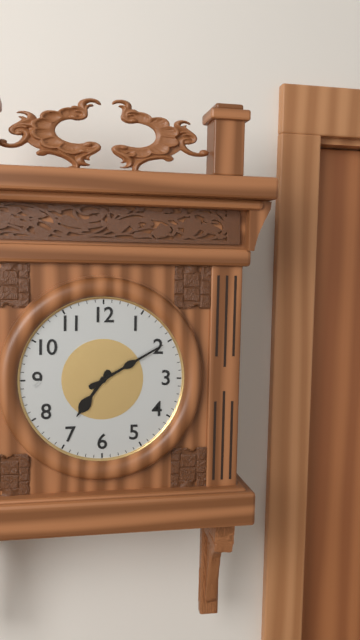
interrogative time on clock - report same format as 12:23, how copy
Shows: 7:10
